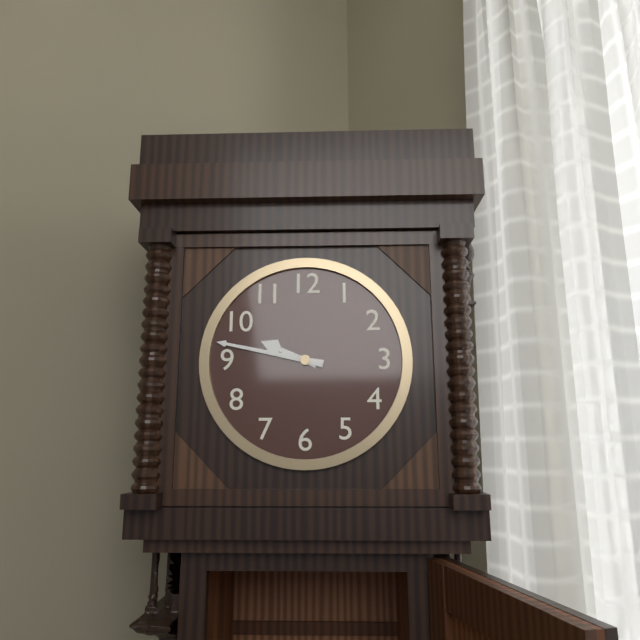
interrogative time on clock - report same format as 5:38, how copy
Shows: 9:47
